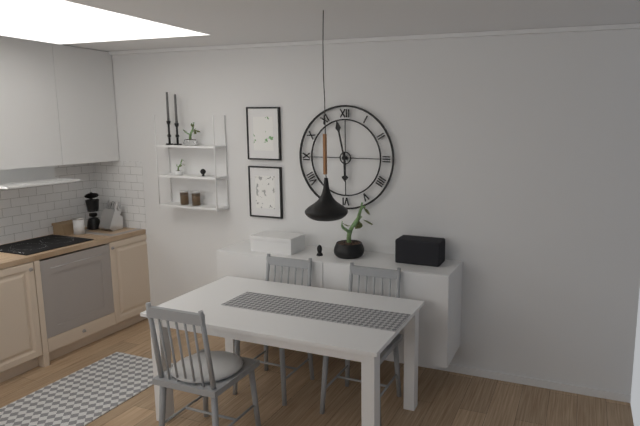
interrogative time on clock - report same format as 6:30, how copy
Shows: 5:58
